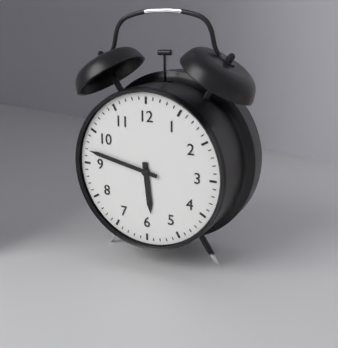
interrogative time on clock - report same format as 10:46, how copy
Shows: 5:47
